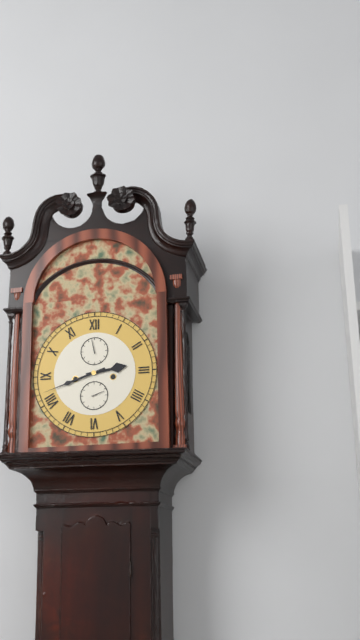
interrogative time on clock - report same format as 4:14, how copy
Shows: 2:42
